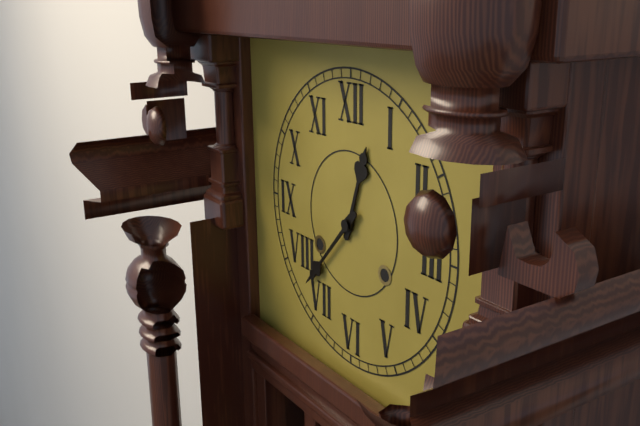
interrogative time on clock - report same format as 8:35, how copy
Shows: 12:37
